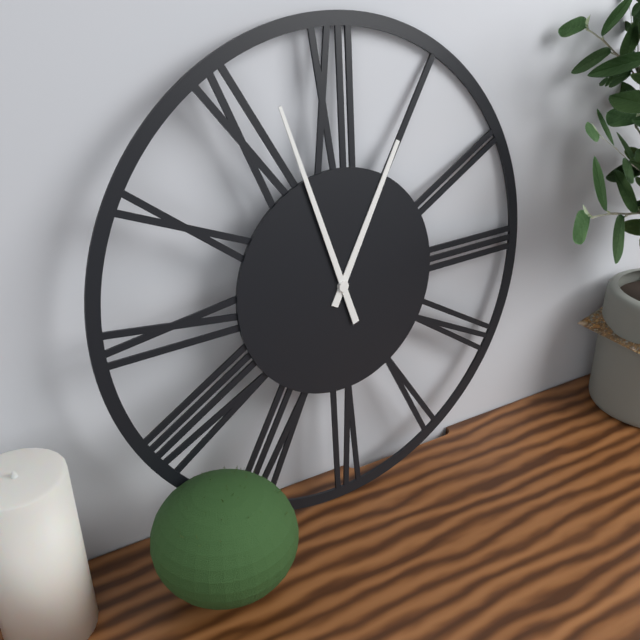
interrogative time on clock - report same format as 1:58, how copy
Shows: 12:57
